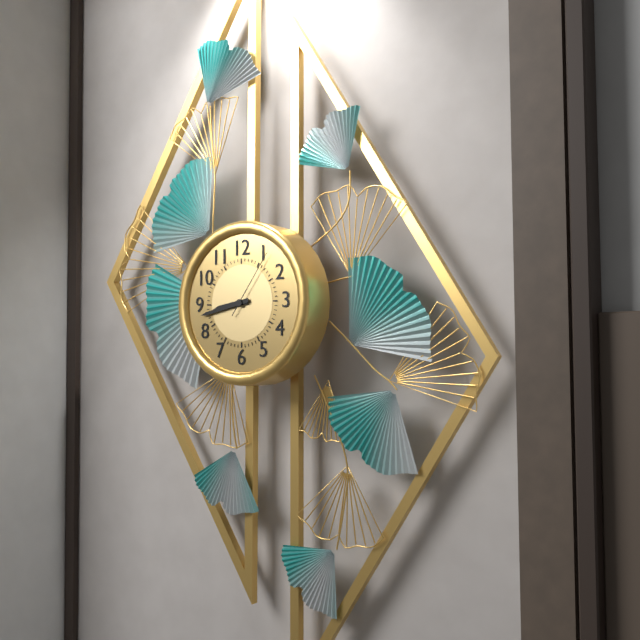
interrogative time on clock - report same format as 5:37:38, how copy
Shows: 8:43:06
